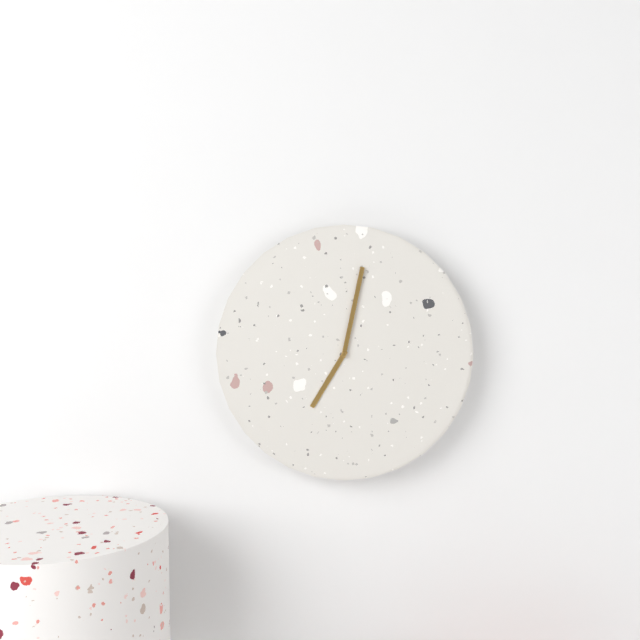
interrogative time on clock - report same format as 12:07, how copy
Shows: 7:02
